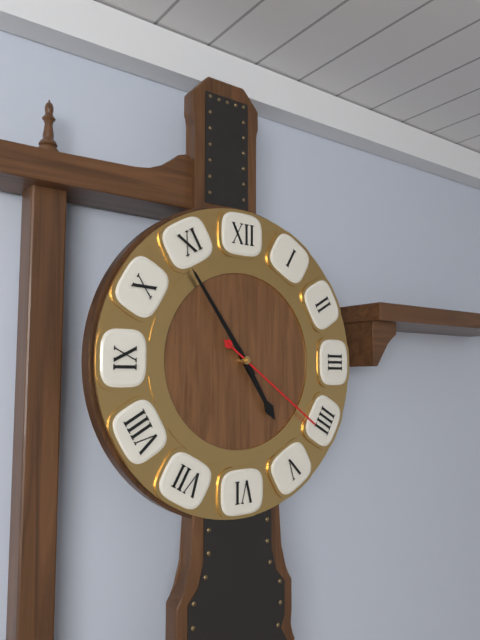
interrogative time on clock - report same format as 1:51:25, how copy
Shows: 4:54:21
